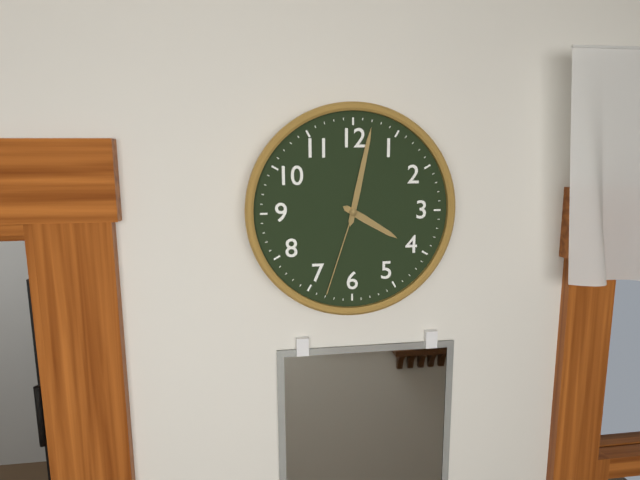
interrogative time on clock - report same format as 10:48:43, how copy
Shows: 4:02:33
